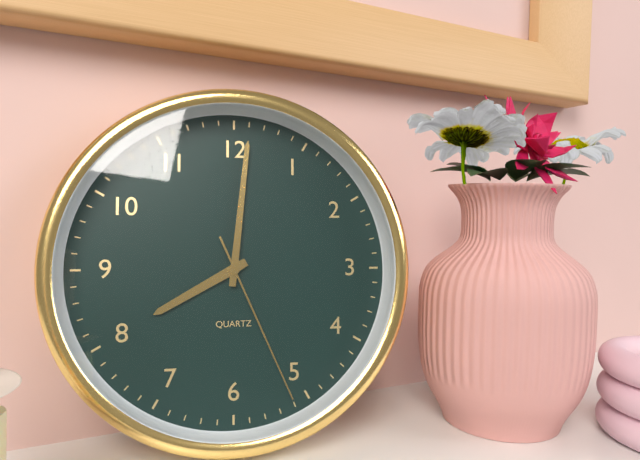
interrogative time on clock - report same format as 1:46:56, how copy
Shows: 8:01:26
